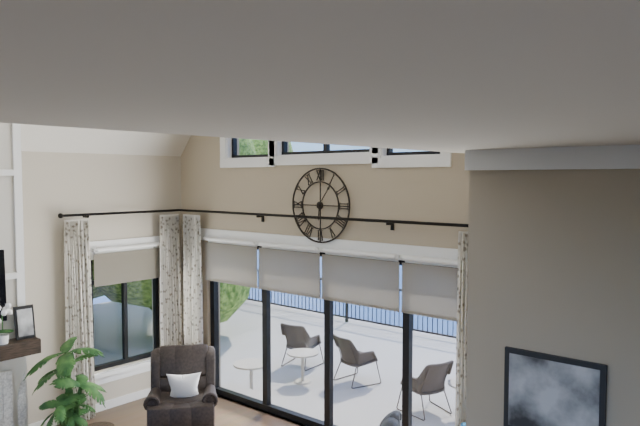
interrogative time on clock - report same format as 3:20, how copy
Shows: 6:06
